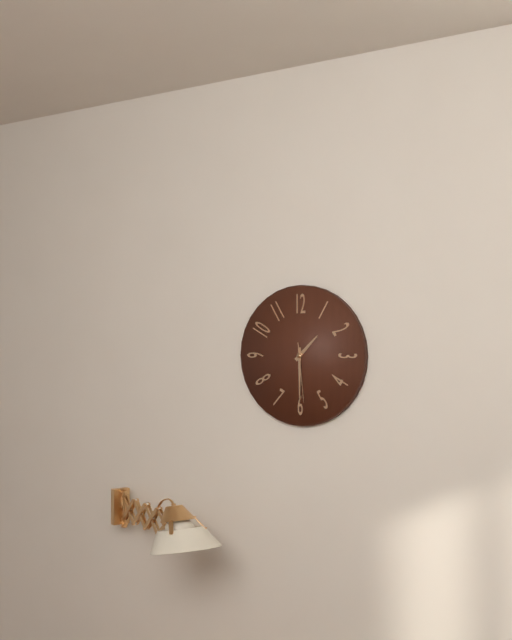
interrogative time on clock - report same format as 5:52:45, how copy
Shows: 1:30:29
